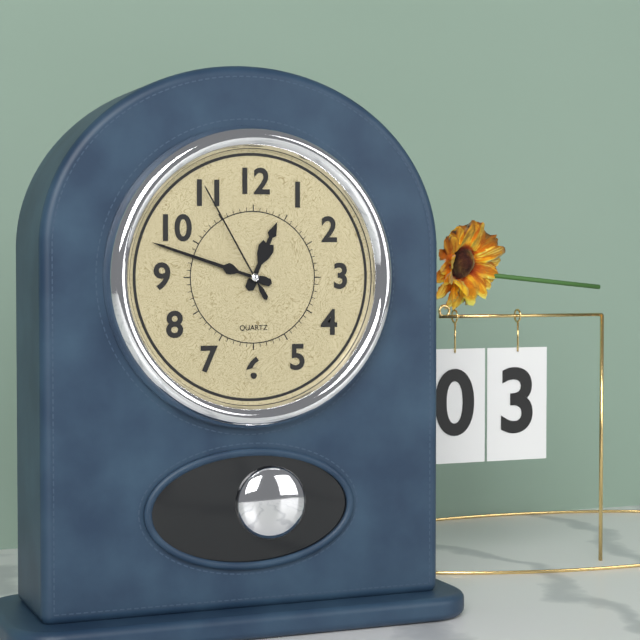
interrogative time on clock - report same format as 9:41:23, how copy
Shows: 12:48:55
